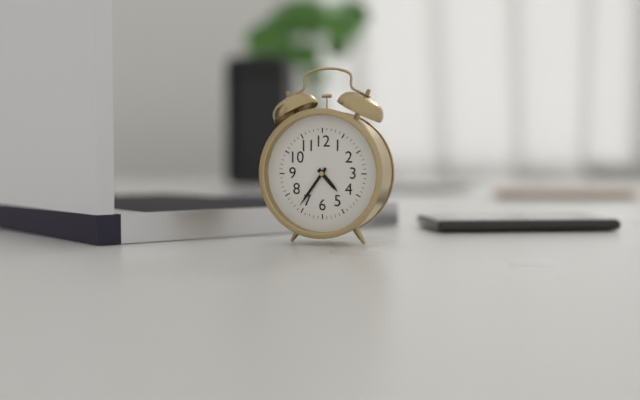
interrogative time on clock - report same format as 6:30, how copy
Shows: 4:36
